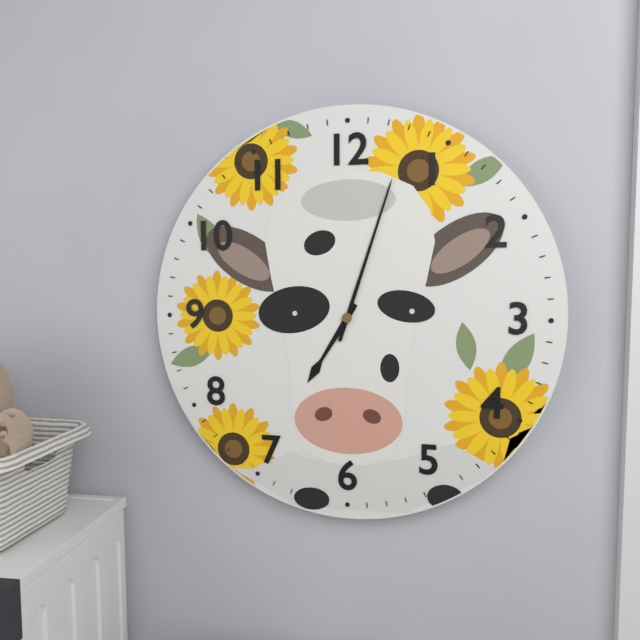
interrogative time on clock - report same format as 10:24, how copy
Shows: 7:03
